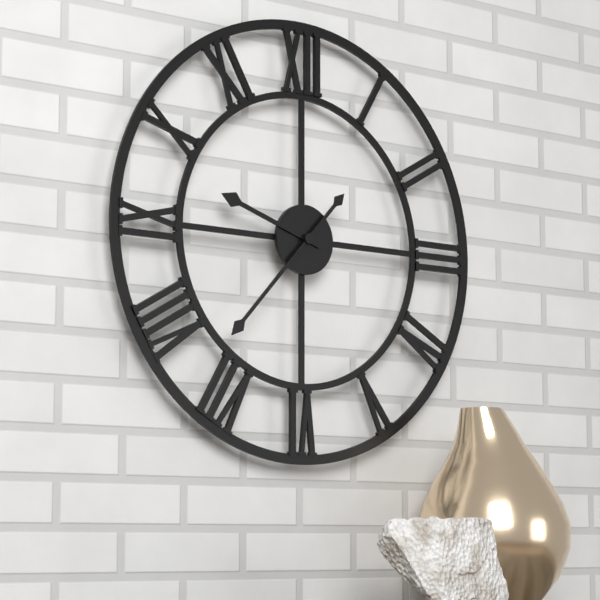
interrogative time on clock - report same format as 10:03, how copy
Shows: 9:37
